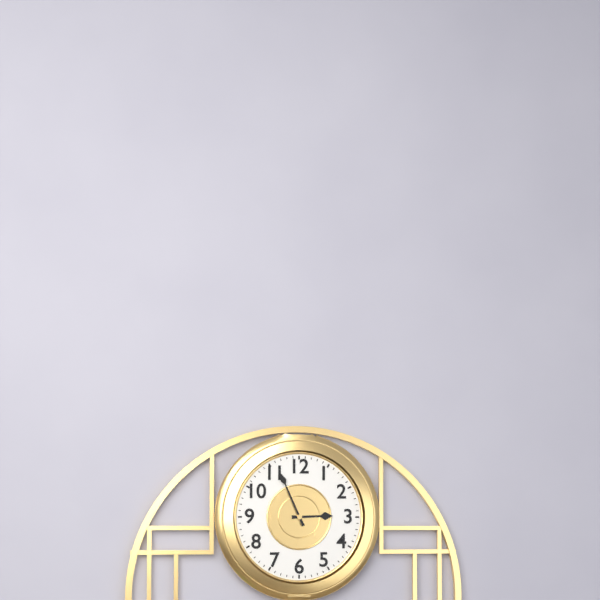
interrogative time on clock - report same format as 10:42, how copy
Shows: 2:56
